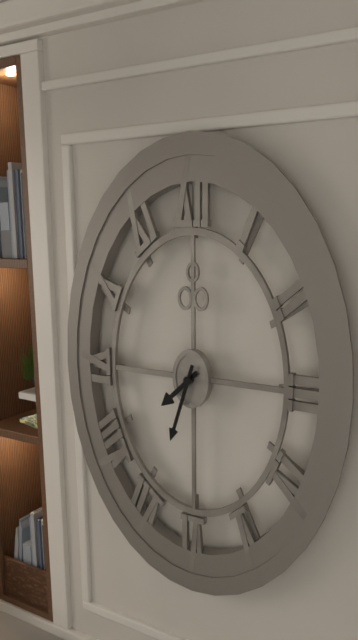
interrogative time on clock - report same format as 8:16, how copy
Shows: 7:33
